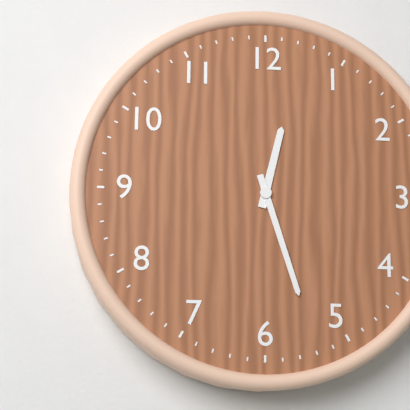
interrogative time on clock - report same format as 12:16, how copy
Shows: 12:27
